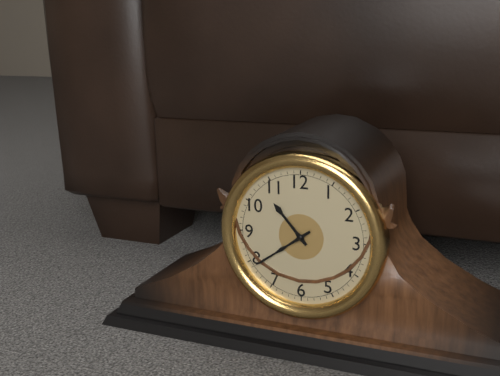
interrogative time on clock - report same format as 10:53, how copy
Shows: 10:39
